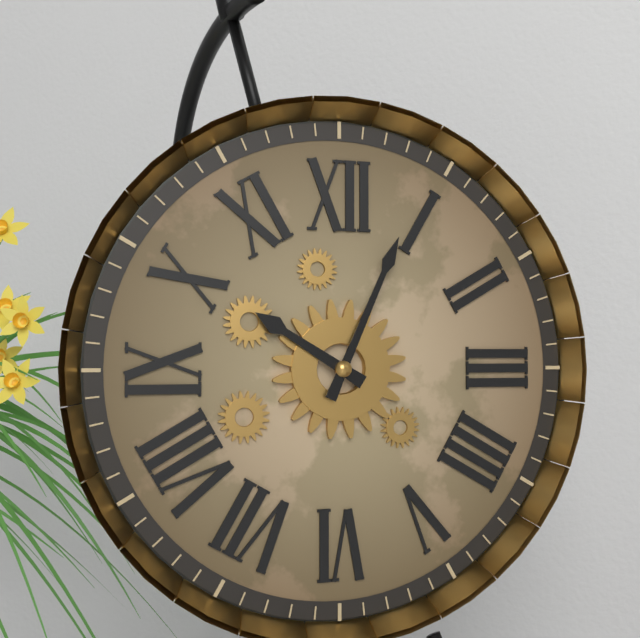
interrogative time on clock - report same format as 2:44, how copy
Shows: 10:04
